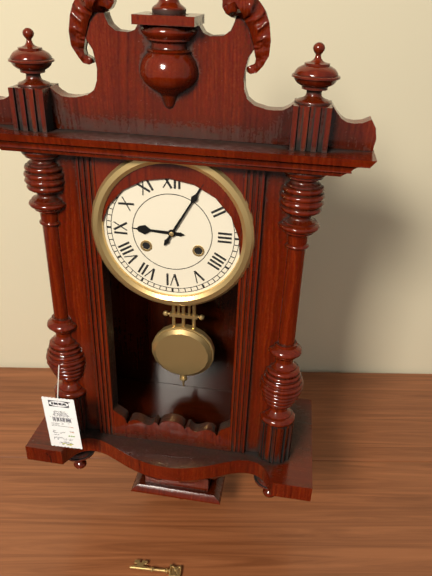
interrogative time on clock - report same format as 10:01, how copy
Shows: 9:05
